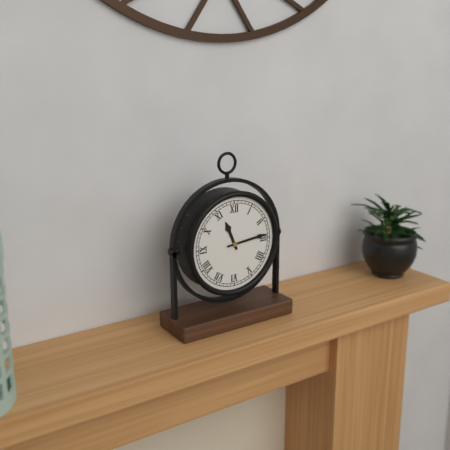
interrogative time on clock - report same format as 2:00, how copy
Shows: 11:14
